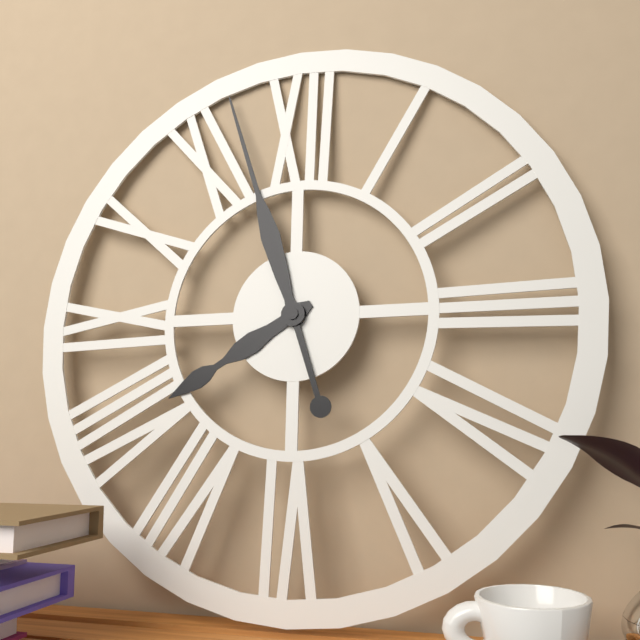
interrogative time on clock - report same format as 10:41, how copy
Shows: 7:57
